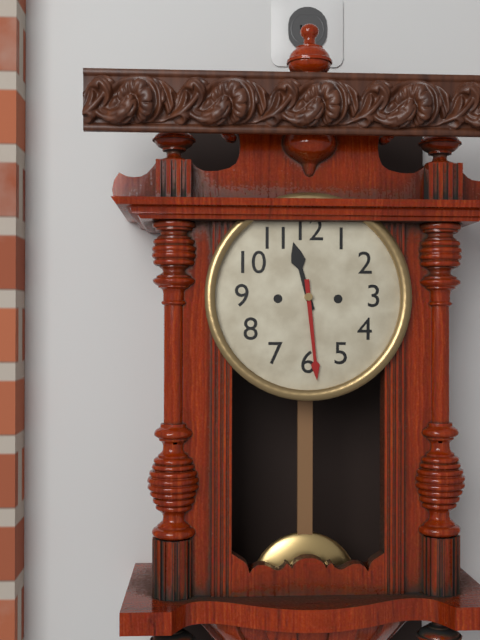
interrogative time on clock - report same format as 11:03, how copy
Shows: 11:29
